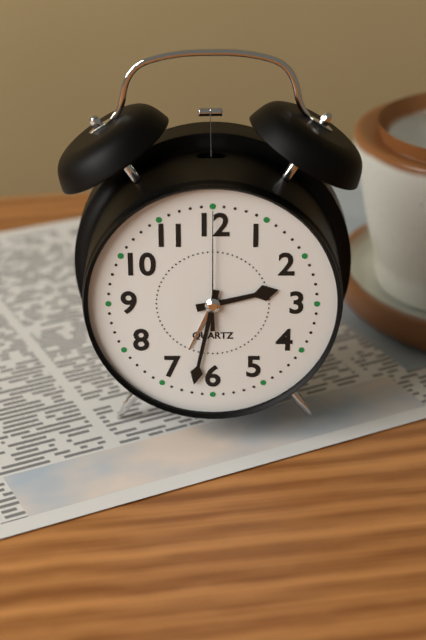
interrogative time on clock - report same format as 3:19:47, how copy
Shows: 2:32:00
